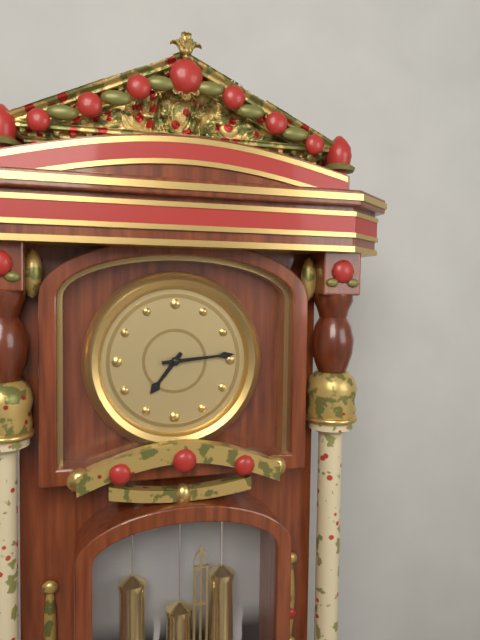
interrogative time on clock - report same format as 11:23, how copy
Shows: 7:14
